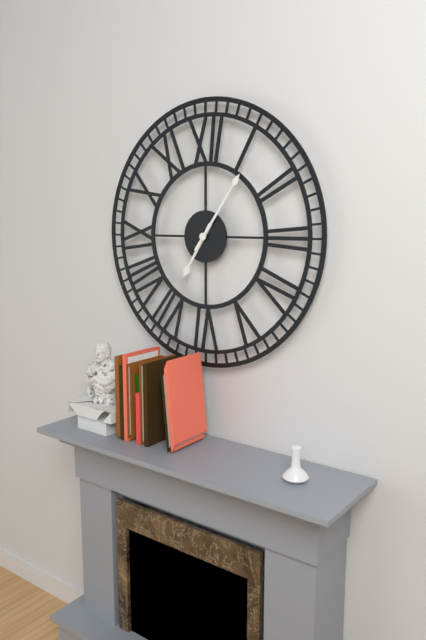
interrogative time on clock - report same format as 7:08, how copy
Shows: 7:06
